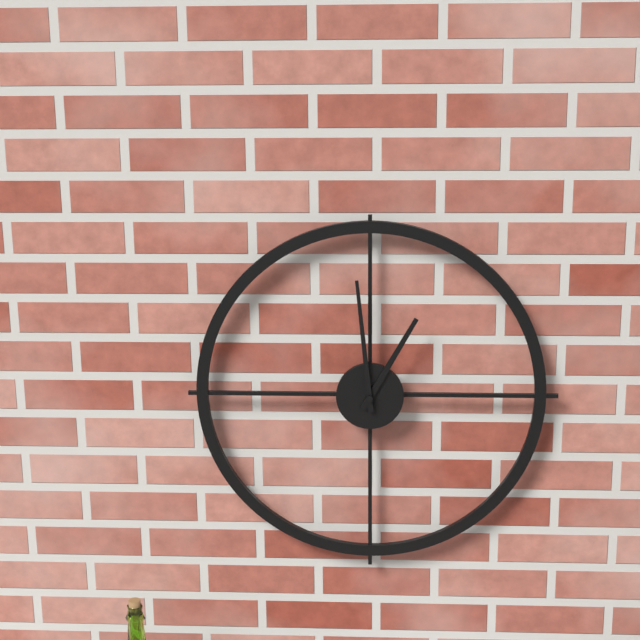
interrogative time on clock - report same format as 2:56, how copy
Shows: 12:59
